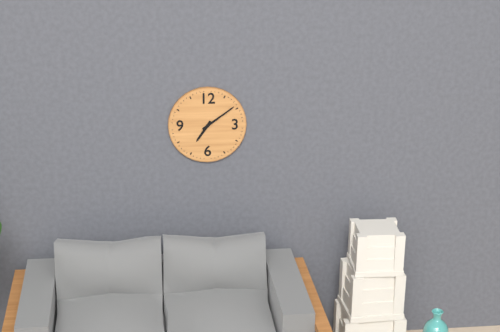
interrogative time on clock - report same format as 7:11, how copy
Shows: 7:09
